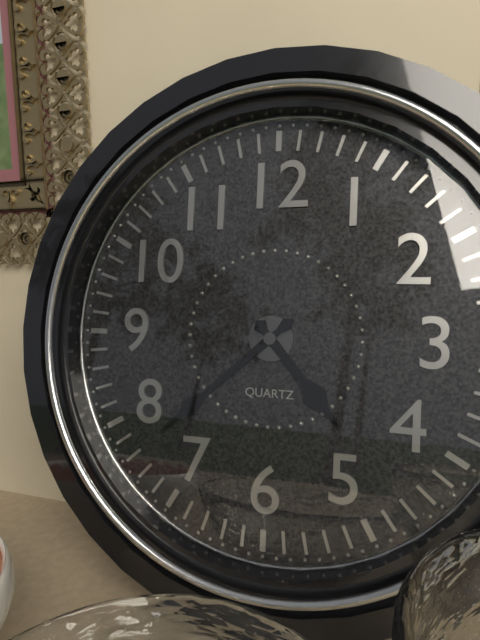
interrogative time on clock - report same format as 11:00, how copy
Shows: 4:38
